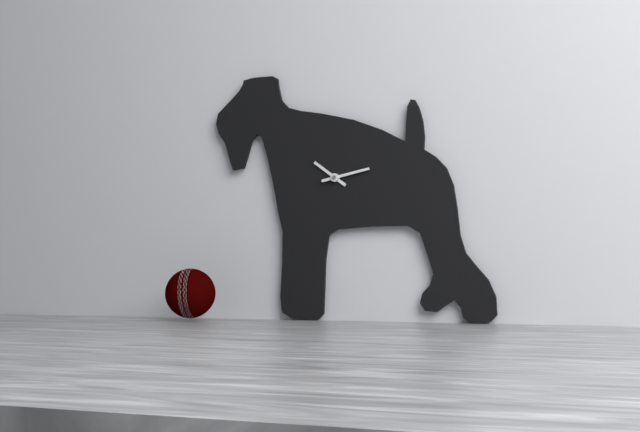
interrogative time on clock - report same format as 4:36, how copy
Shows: 10:13
